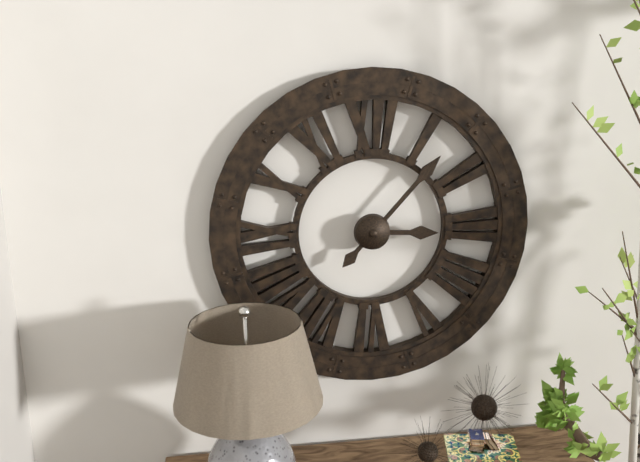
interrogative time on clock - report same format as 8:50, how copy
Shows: 3:07
